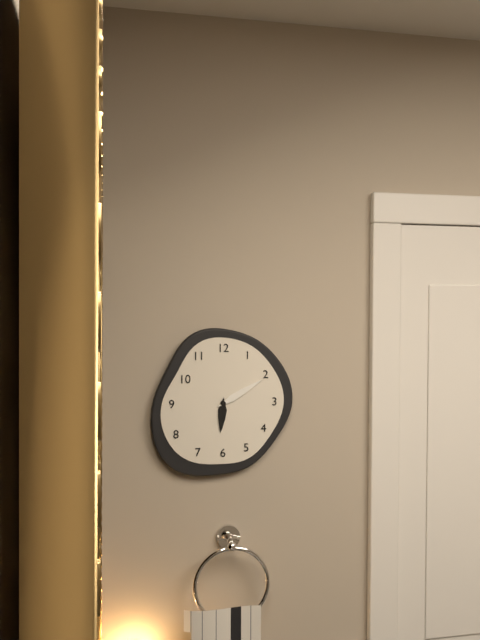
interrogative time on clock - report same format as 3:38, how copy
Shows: 6:10
